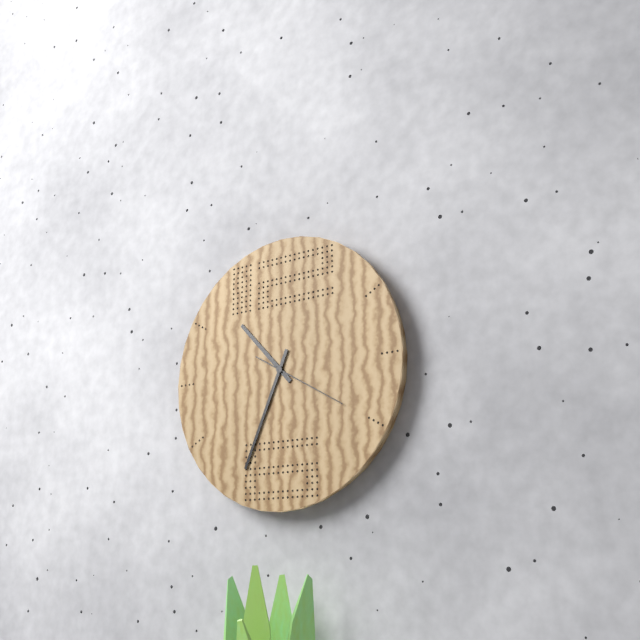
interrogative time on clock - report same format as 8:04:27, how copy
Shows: 10:34:20
